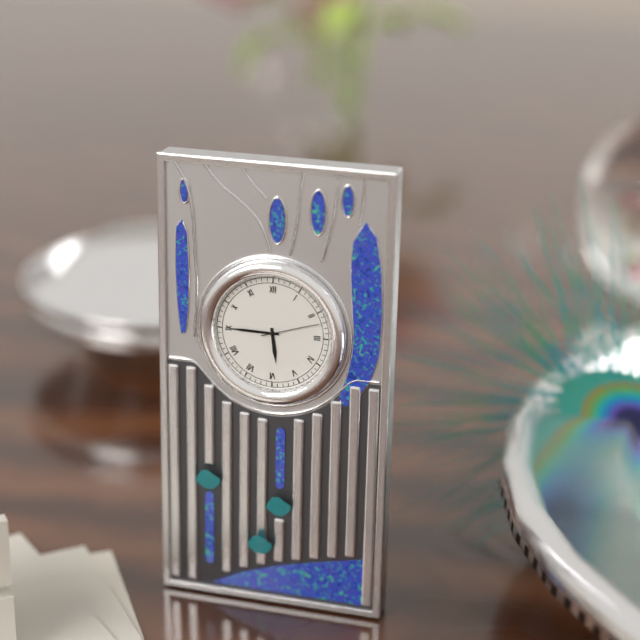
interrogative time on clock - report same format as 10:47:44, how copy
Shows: 5:45:12
